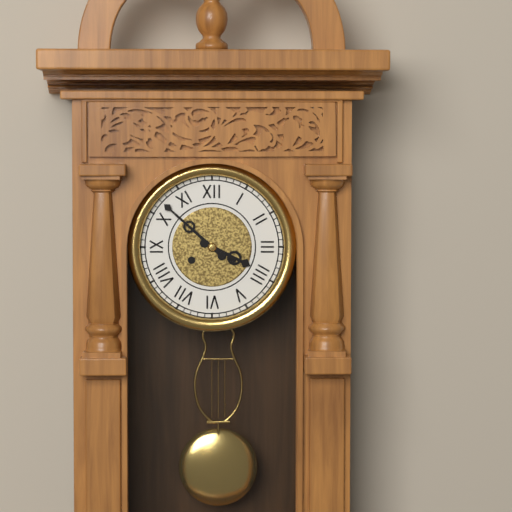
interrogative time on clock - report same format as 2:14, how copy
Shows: 3:52
